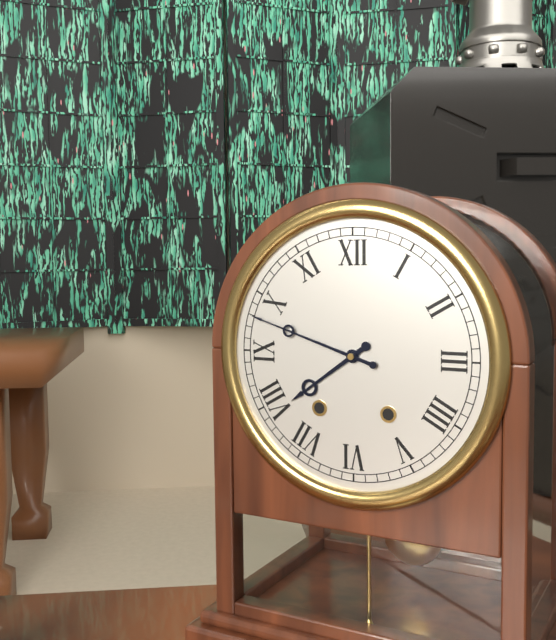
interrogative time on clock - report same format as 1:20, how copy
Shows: 7:48
